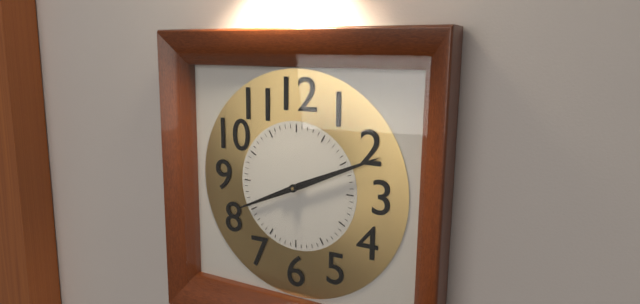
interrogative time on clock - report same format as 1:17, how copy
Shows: 8:11
